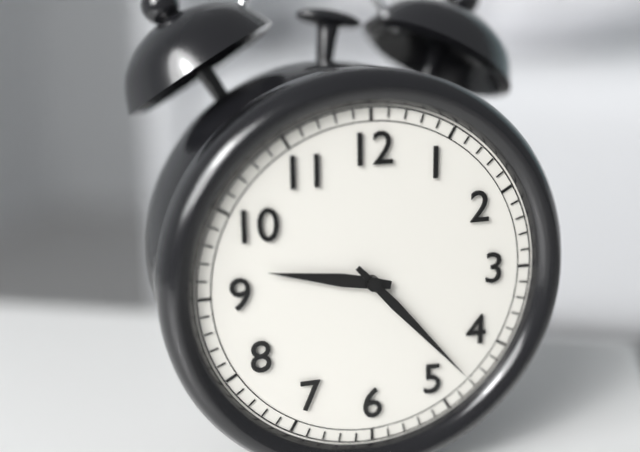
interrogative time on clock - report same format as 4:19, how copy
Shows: 9:23
